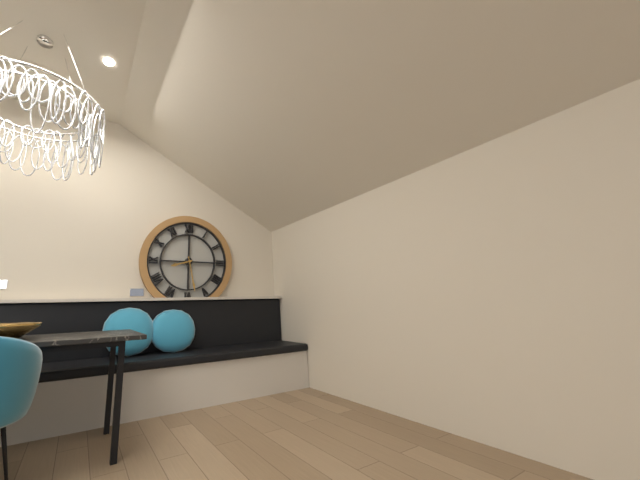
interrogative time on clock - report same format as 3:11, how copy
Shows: 8:28
